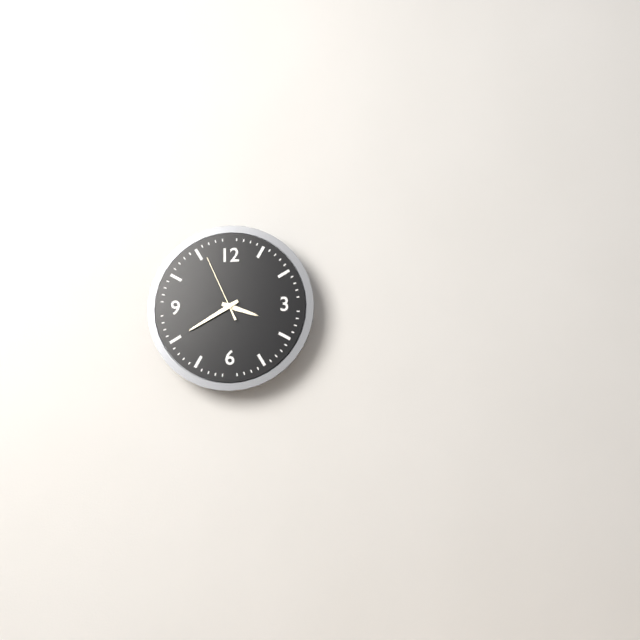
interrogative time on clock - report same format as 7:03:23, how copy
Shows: 3:40:56
